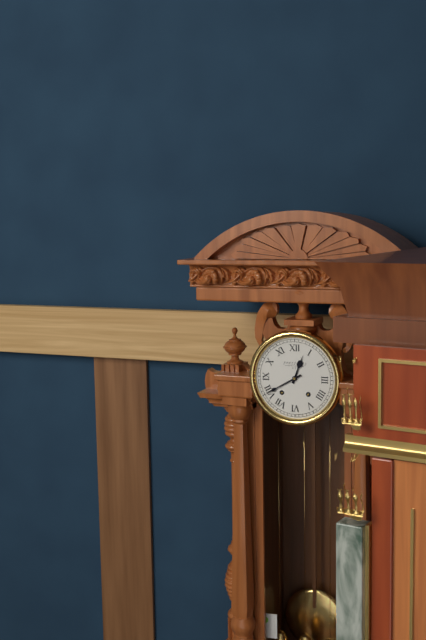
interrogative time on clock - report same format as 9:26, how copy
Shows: 12:40
